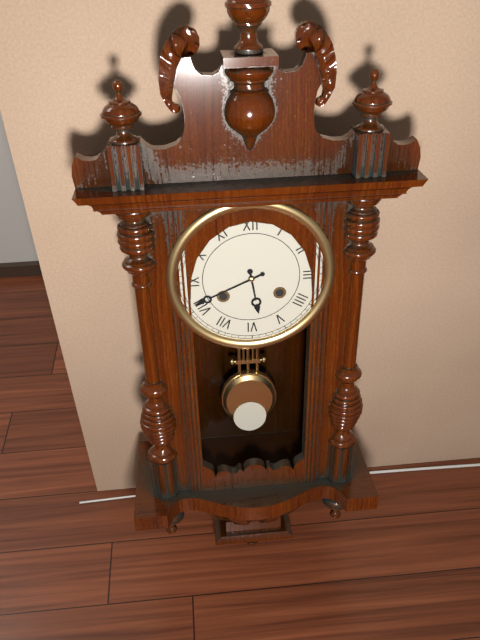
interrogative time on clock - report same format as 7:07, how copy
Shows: 5:41
